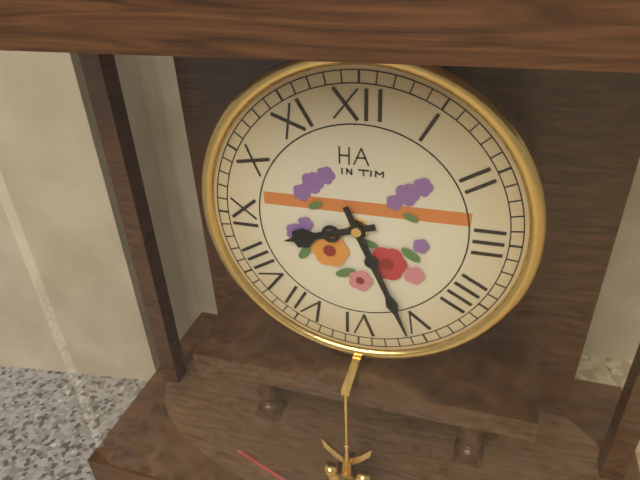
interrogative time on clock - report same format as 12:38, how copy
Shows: 8:26
